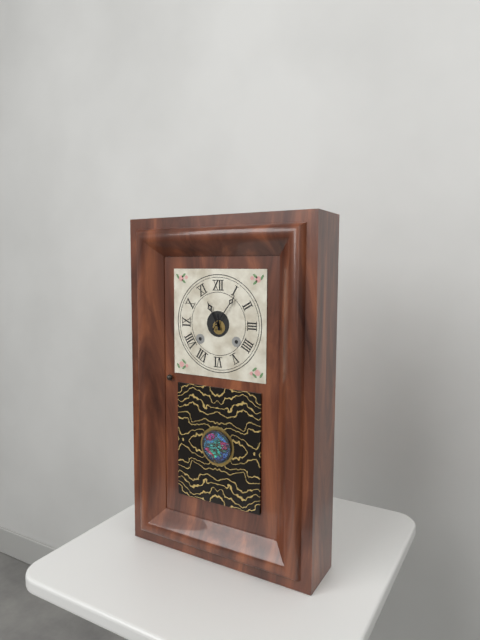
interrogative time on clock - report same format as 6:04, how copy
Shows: 11:06
